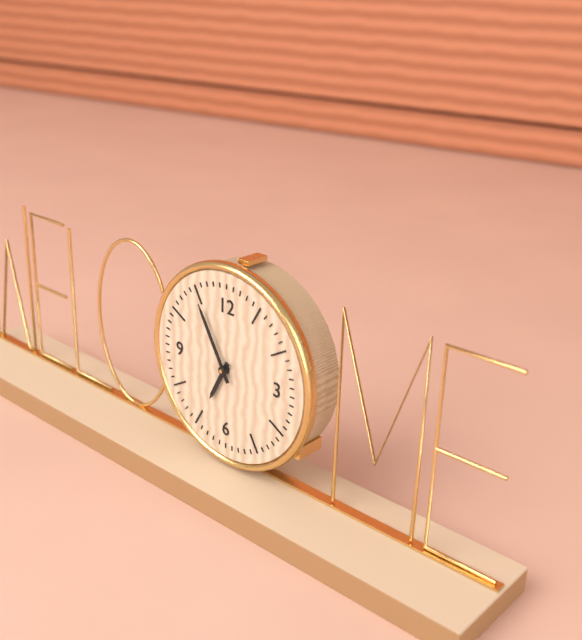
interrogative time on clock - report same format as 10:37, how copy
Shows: 6:55
